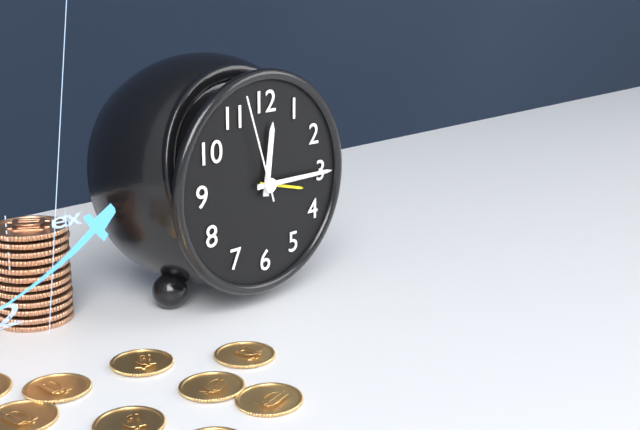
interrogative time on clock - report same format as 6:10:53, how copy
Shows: 12:15:57
